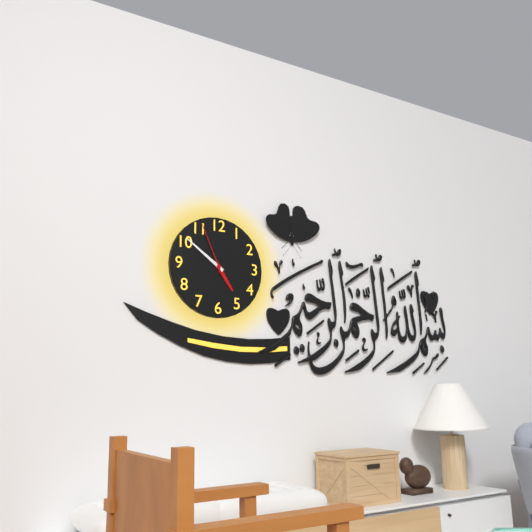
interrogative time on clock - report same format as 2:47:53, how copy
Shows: 4:51:56
